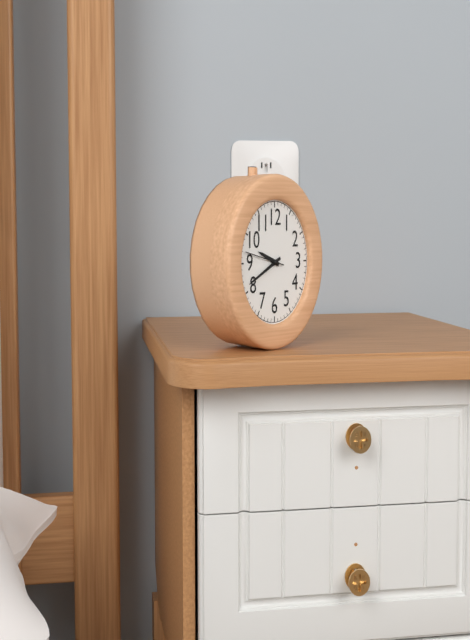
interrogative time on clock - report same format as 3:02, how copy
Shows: 9:41
